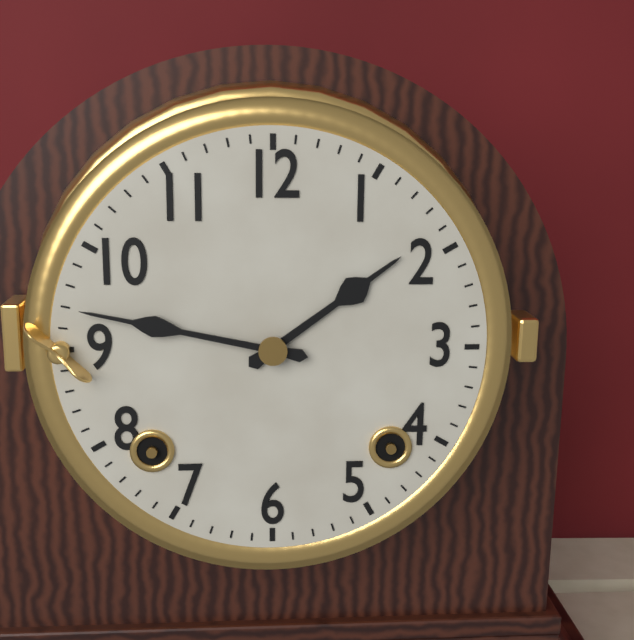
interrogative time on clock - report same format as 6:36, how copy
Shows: 1:47
